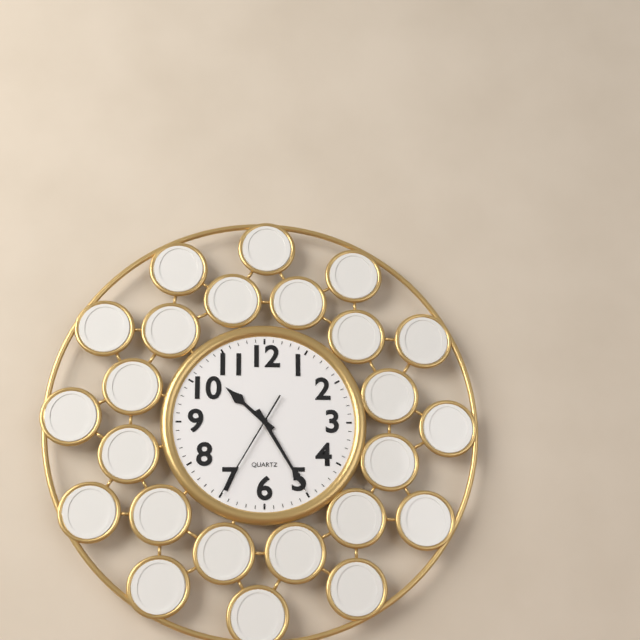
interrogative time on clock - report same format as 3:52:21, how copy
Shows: 10:25:35
